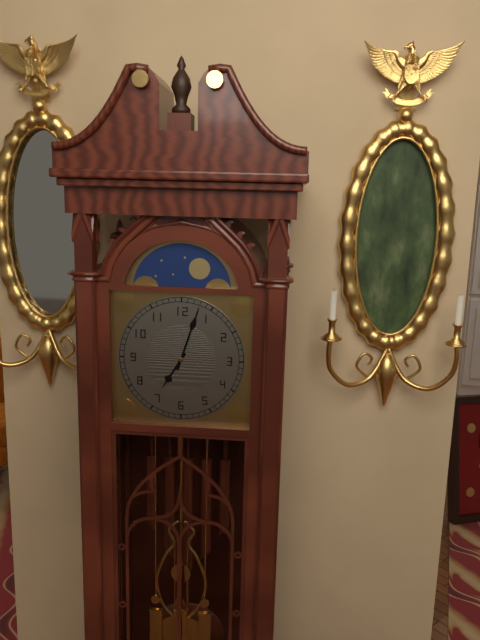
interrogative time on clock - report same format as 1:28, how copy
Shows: 7:03
